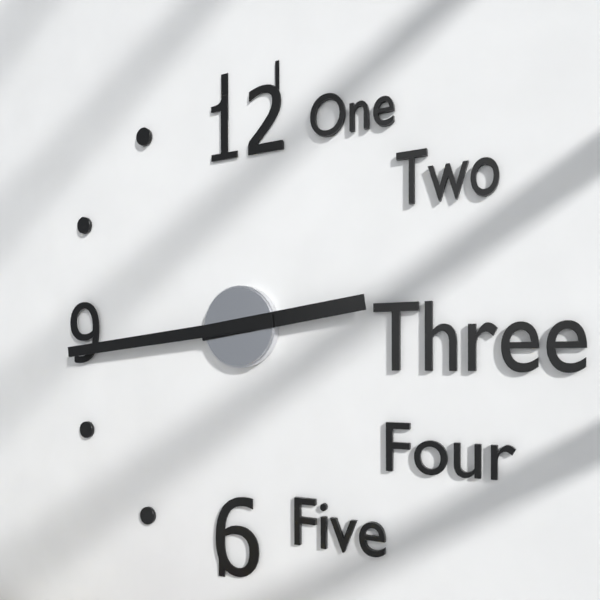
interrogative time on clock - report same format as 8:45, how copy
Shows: 2:44
